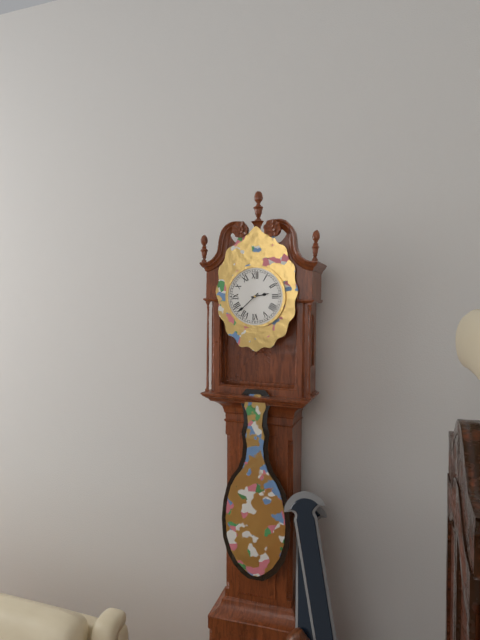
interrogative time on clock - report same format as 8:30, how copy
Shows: 2:38
